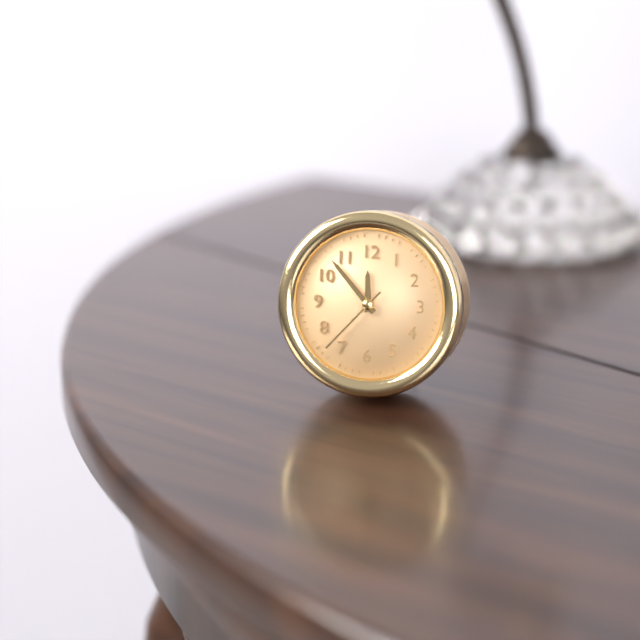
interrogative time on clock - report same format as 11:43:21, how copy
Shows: 11:53:37
